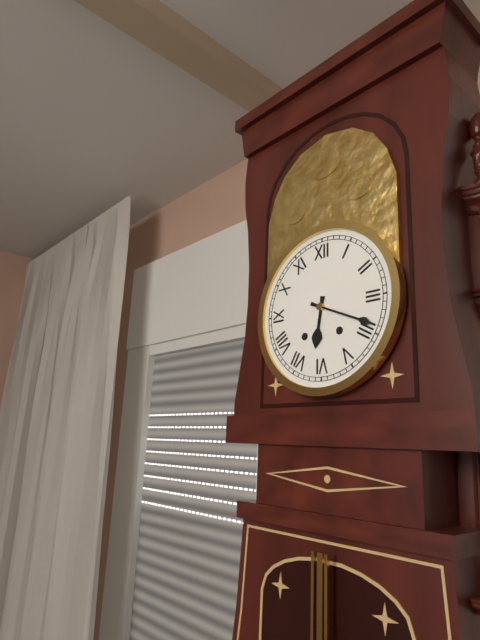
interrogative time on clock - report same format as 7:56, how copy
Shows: 6:19
